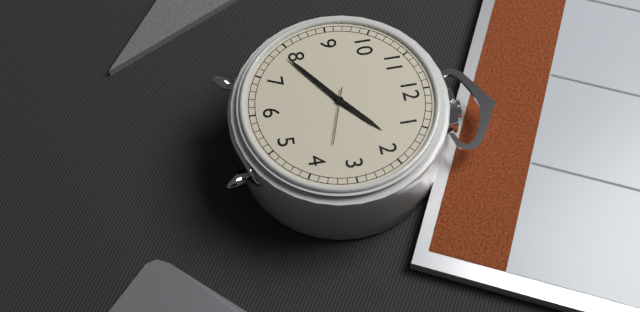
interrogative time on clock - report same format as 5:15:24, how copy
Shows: 1:39:18
